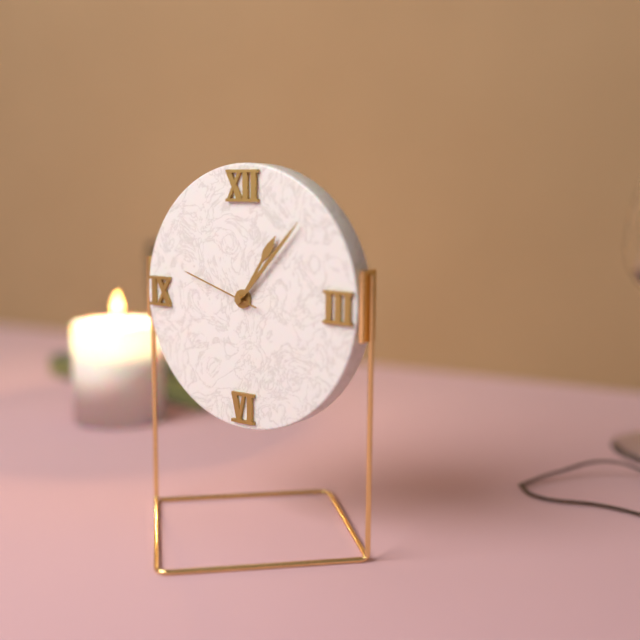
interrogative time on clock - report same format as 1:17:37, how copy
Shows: 1:07:48
